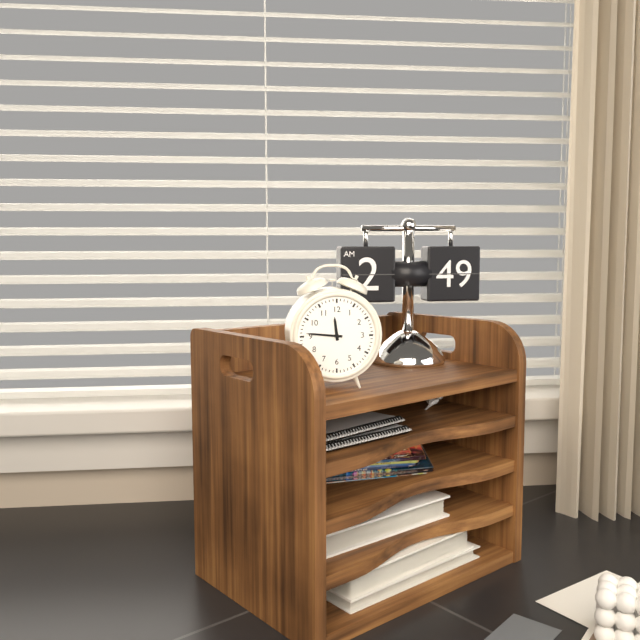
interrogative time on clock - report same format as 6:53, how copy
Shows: 11:46
